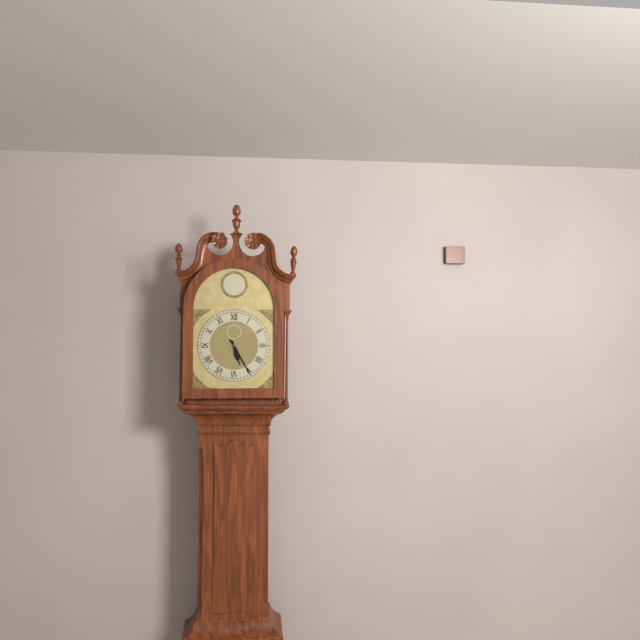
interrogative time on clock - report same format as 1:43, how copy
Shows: 5:25
